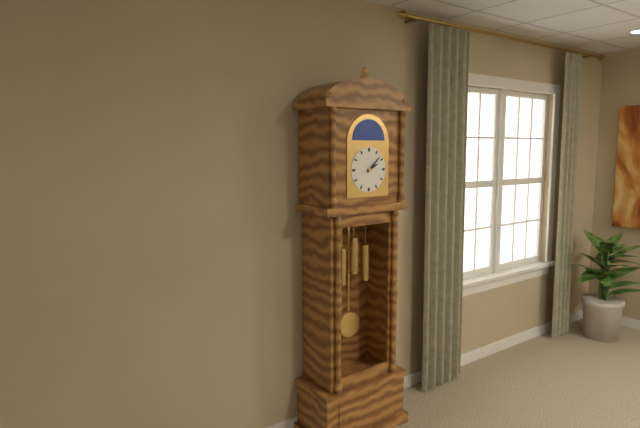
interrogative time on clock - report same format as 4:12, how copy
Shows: 2:08
